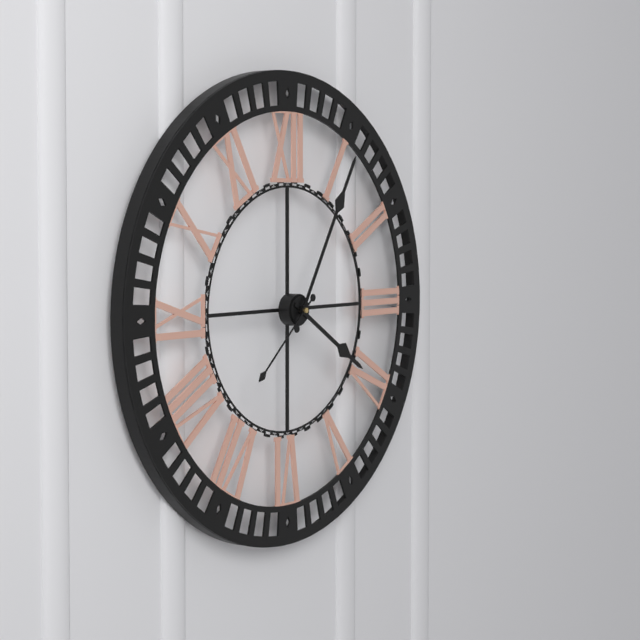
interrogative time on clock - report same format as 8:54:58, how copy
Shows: 4:05:38
